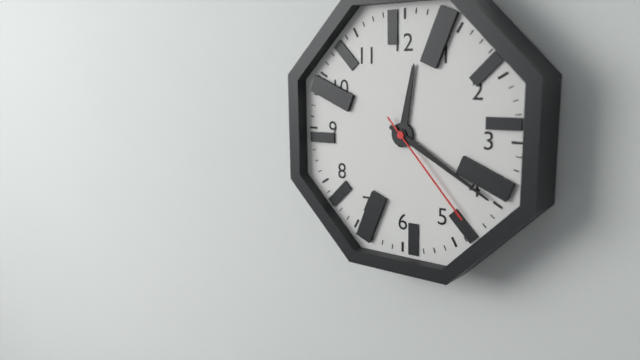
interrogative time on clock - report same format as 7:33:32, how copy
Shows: 12:20:23
